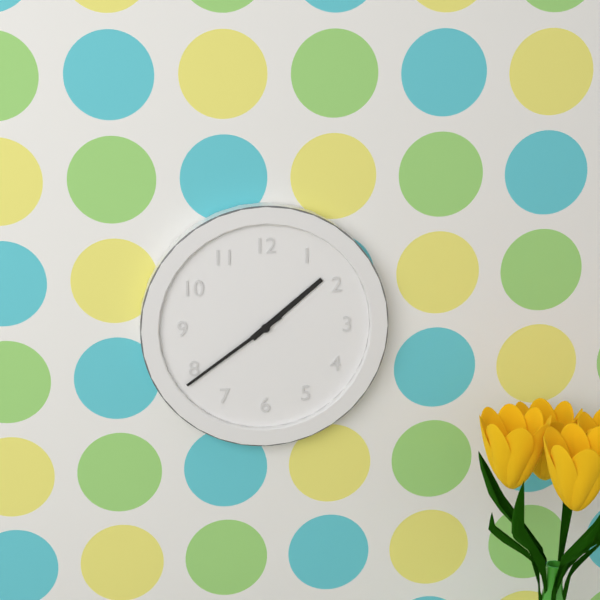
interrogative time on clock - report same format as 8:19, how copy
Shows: 1:39
